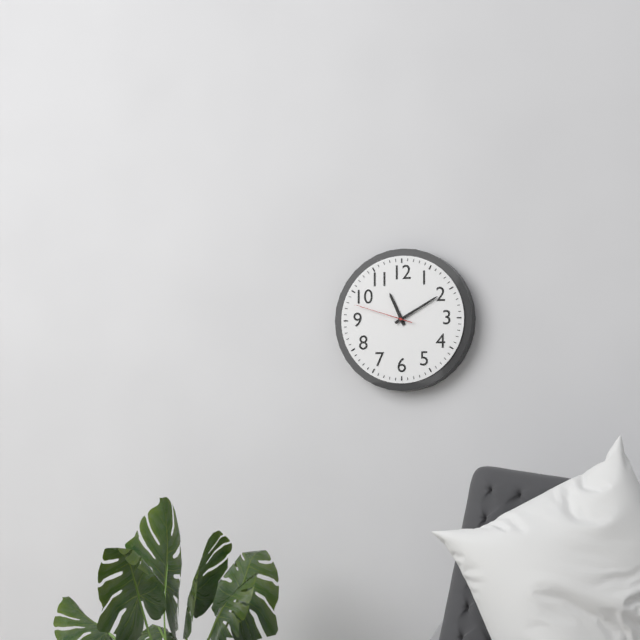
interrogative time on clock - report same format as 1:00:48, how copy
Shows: 11:10:48
